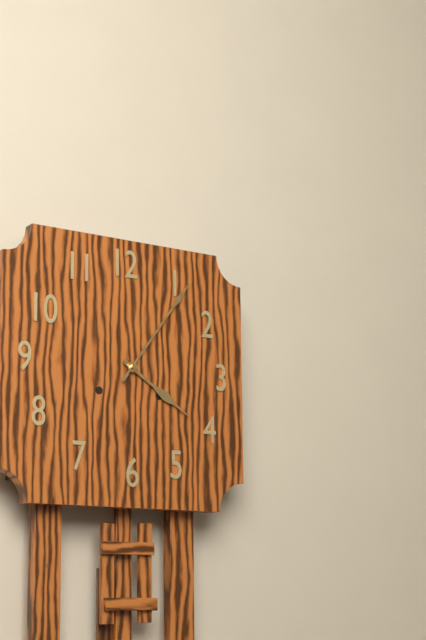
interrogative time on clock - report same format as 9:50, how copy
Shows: 4:06
